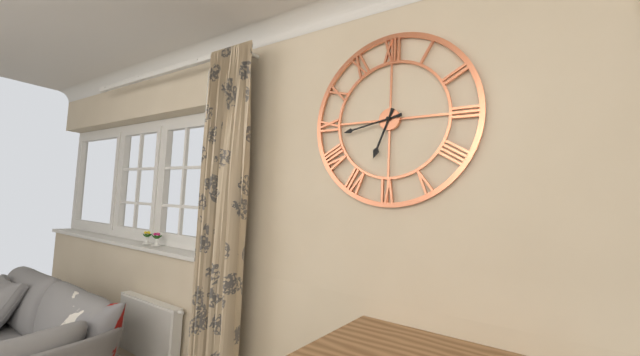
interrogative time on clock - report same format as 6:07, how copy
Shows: 6:43
